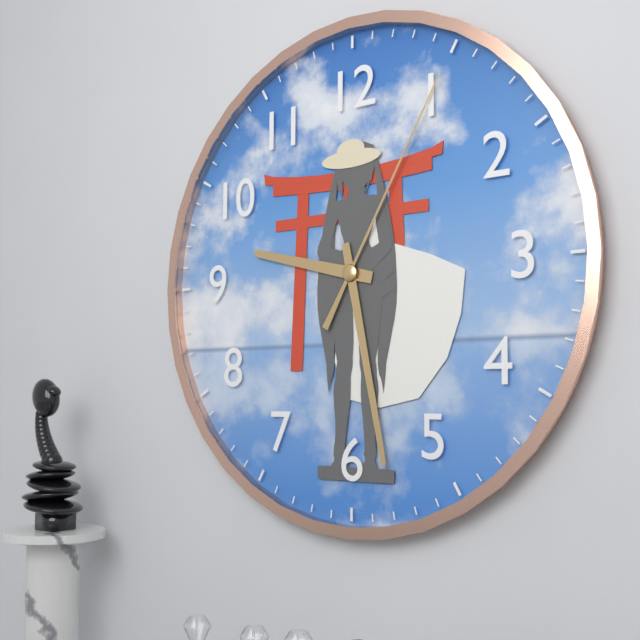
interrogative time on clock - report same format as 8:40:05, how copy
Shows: 9:28:05
